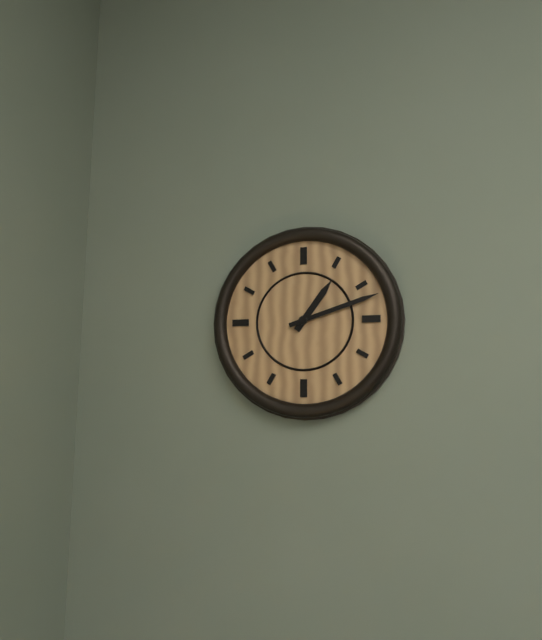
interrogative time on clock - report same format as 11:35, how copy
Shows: 1:12
